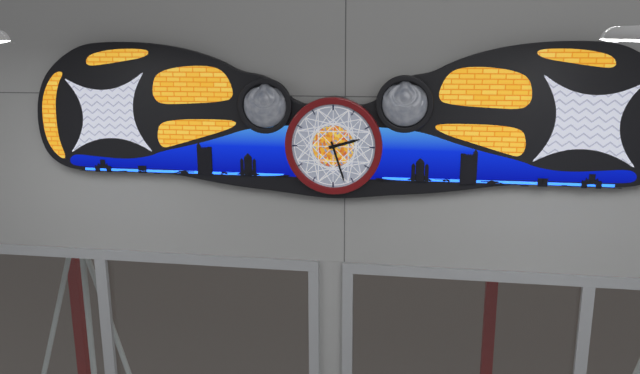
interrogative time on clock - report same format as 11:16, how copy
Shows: 2:27
